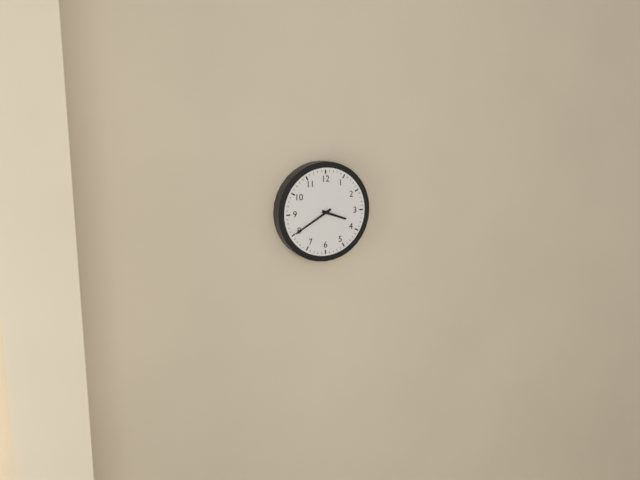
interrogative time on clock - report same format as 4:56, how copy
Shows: 3:40
